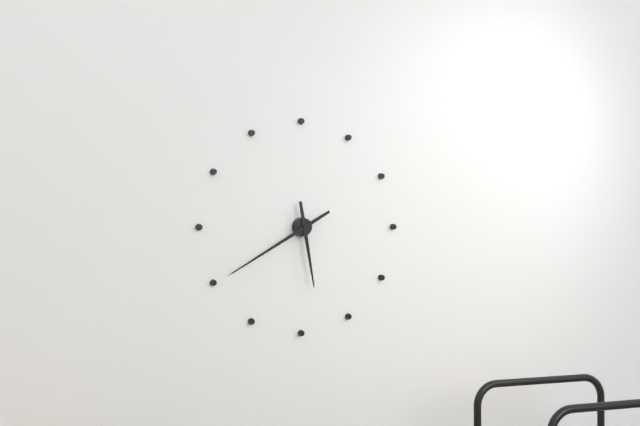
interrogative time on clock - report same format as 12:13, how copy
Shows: 5:40
